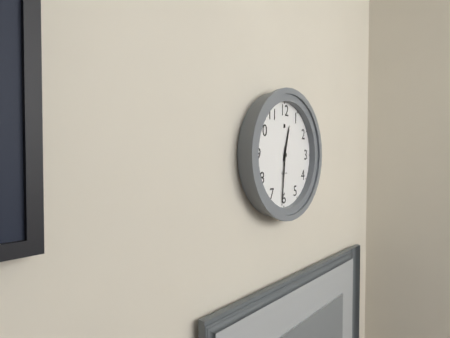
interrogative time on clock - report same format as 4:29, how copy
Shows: 12:31
